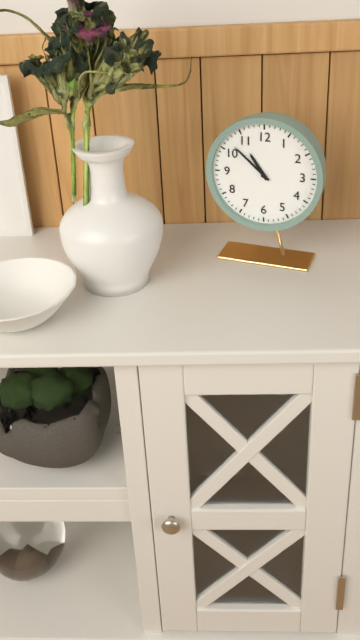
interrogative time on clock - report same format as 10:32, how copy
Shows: 10:52
